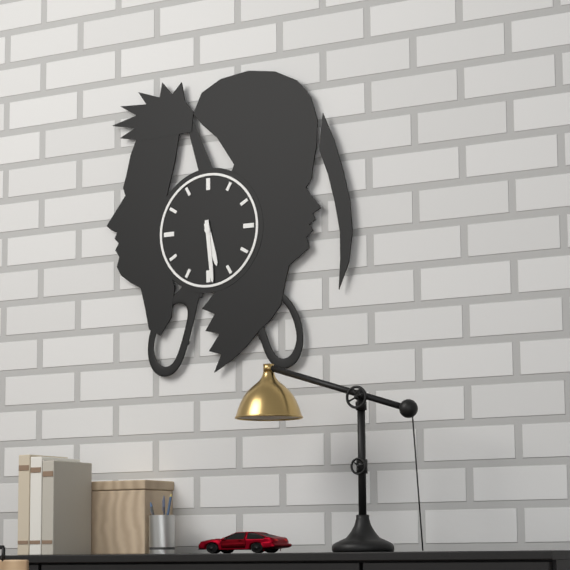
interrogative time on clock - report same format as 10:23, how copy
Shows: 5:29
